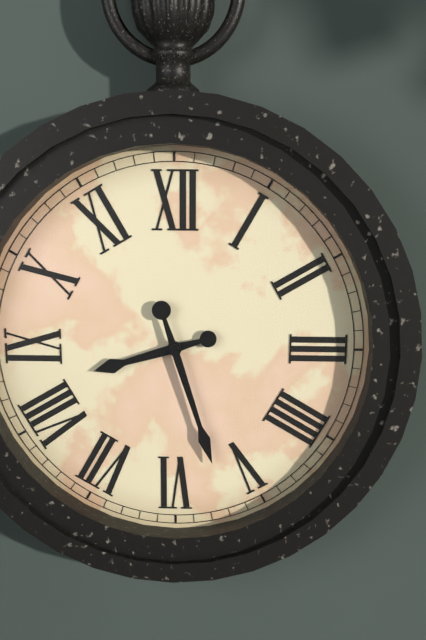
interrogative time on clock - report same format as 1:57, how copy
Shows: 8:27
